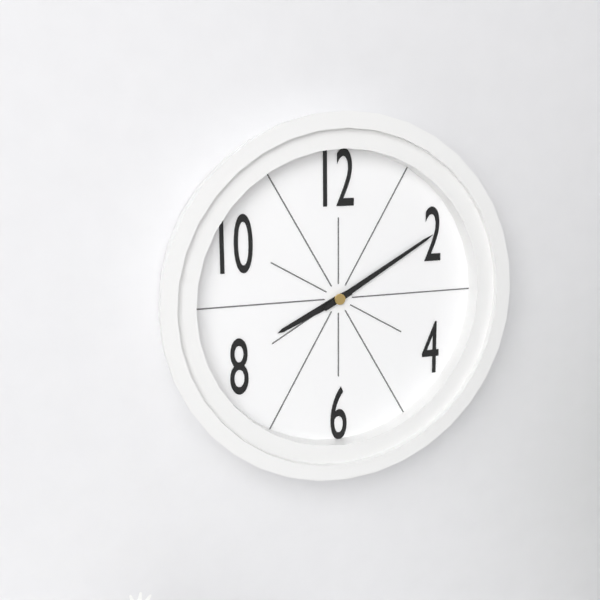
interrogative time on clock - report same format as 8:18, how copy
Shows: 8:10
